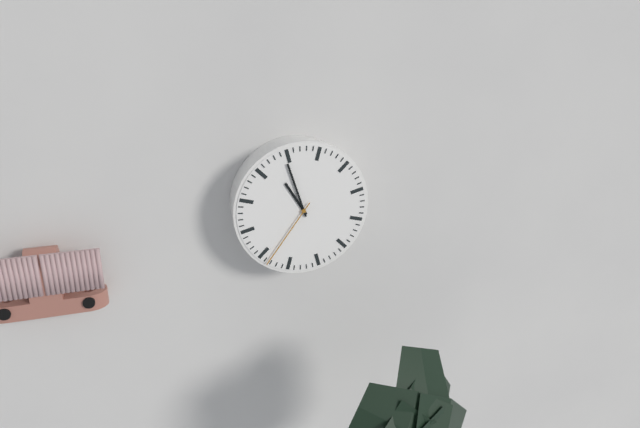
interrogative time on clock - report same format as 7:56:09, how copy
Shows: 10:57:36
